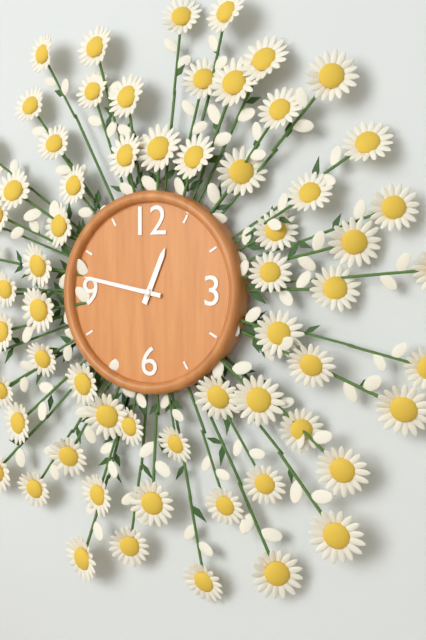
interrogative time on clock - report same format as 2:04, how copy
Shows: 12:47
